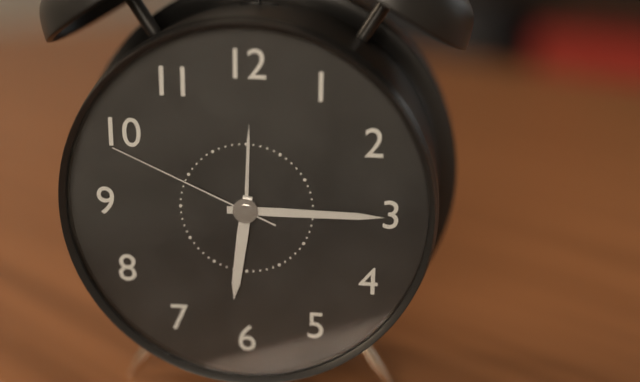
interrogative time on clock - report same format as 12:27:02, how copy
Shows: 6:15:49
